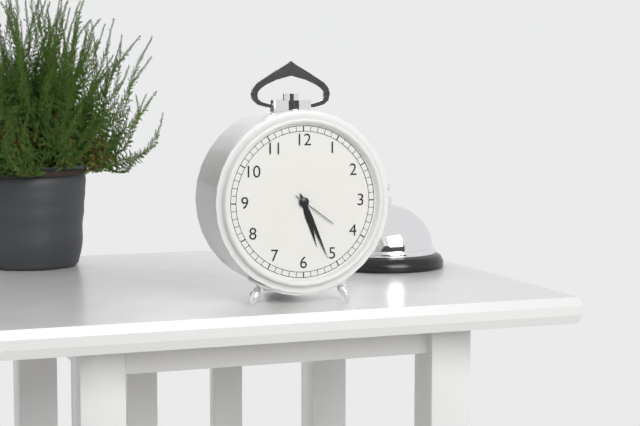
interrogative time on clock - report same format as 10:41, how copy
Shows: 5:26
